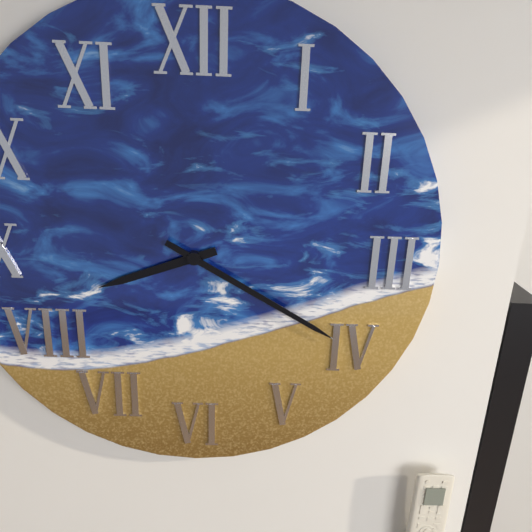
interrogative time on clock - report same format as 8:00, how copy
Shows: 8:20
